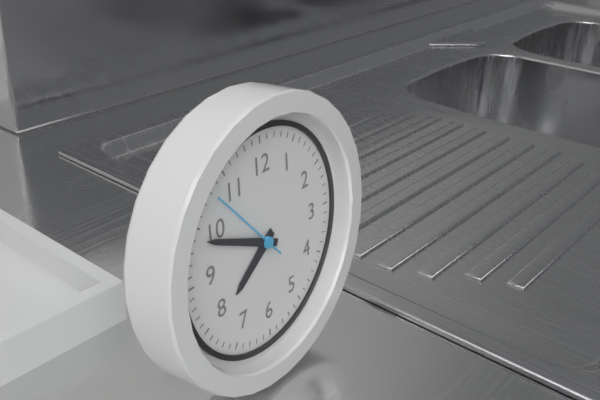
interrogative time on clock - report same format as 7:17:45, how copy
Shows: 7:49:53
